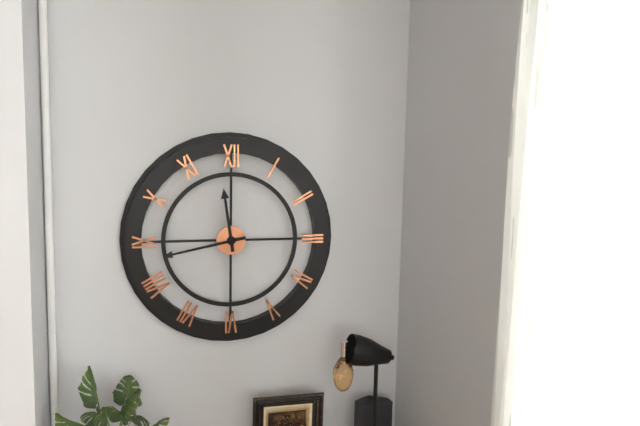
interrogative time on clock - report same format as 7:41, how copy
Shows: 11:43
